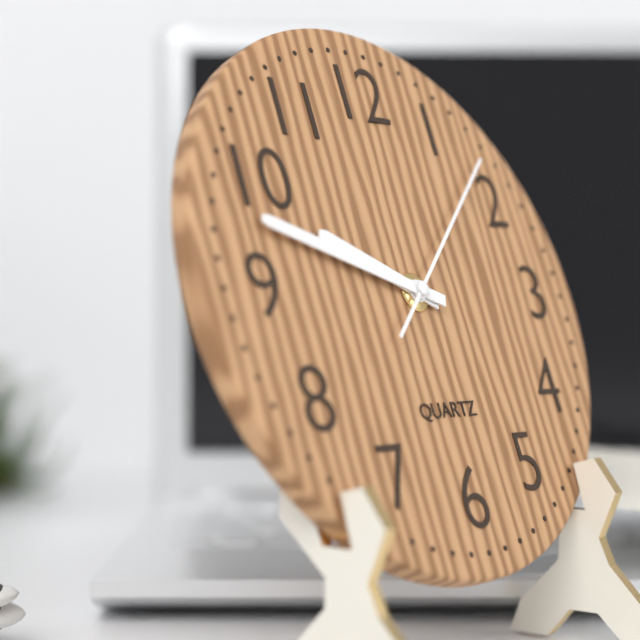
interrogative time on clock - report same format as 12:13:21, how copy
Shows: 9:48:08
